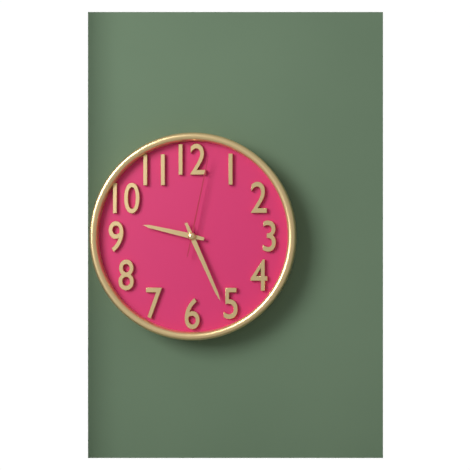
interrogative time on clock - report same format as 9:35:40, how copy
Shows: 9:26:02
